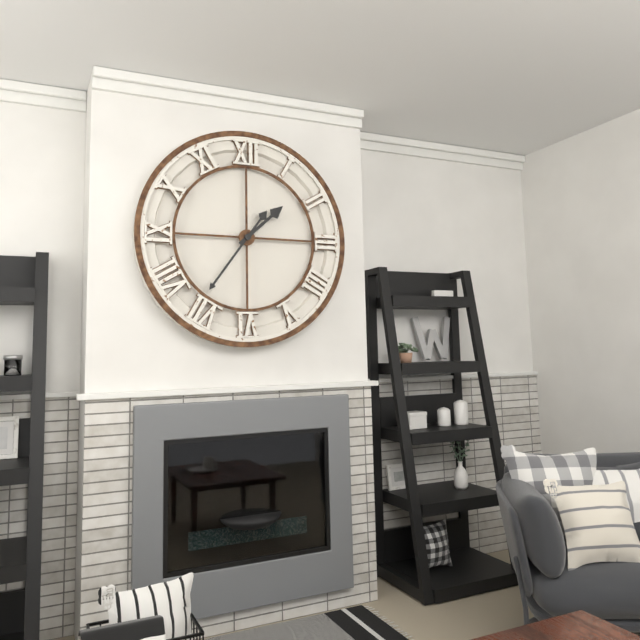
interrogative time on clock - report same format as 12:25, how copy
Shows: 1:36
